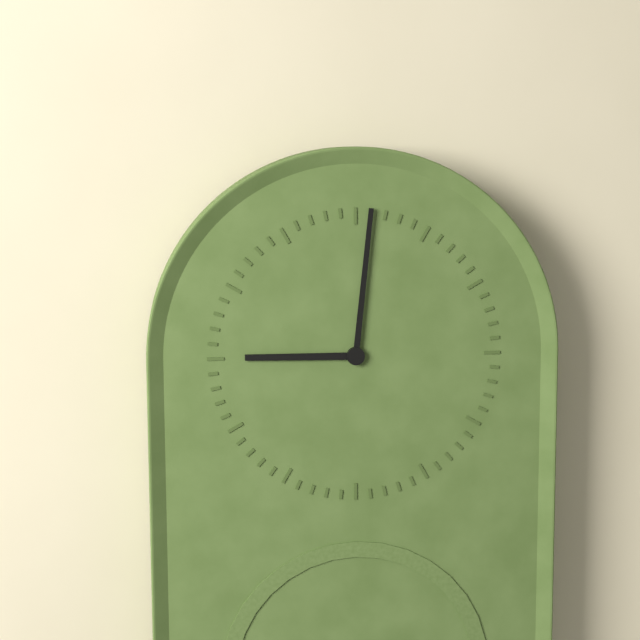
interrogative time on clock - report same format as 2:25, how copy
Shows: 9:01
